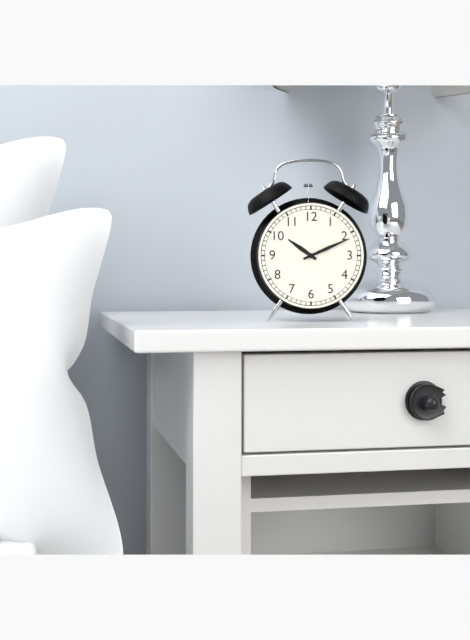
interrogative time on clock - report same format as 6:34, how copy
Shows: 10:11
